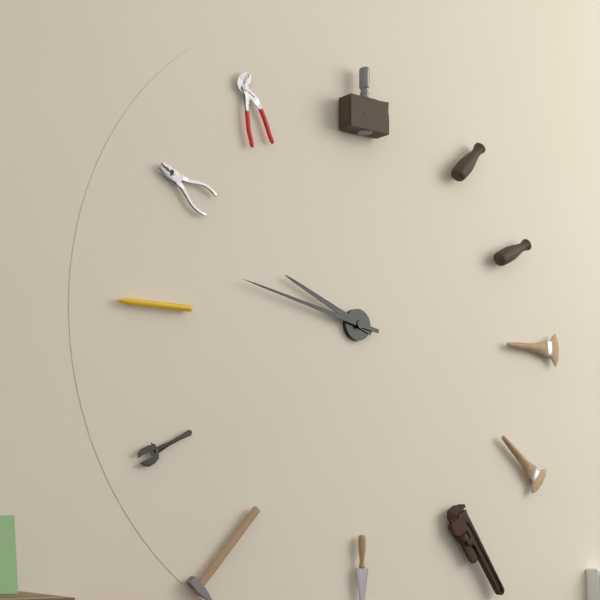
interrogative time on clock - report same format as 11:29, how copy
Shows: 9:47
